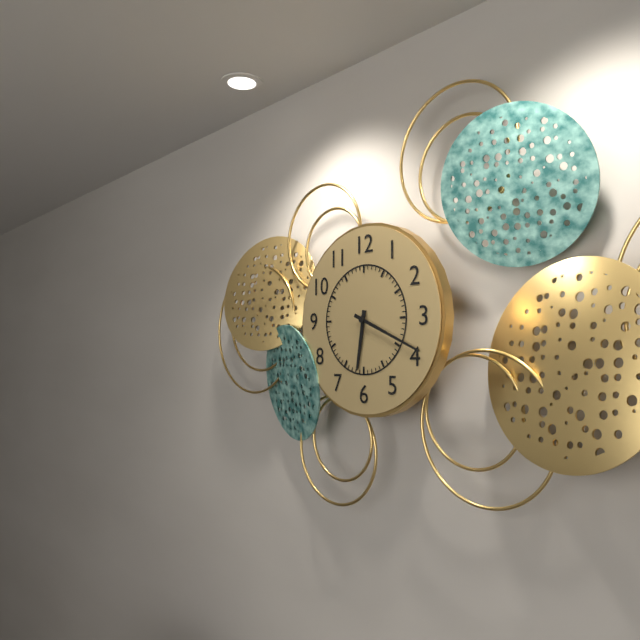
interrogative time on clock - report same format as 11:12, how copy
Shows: 6:19
